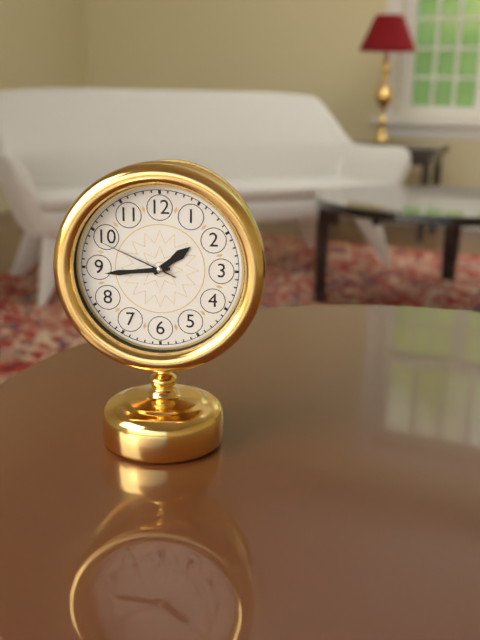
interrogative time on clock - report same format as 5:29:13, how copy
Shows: 1:44:49
